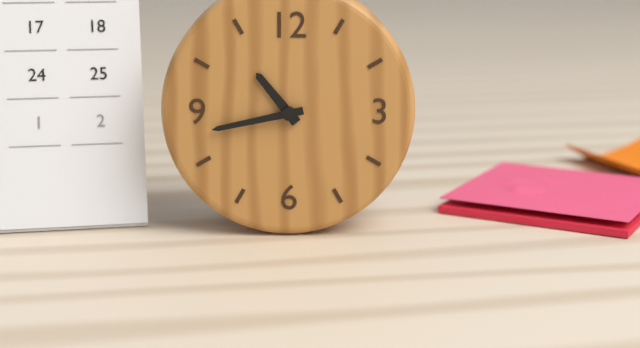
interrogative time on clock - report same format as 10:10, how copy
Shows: 10:43
